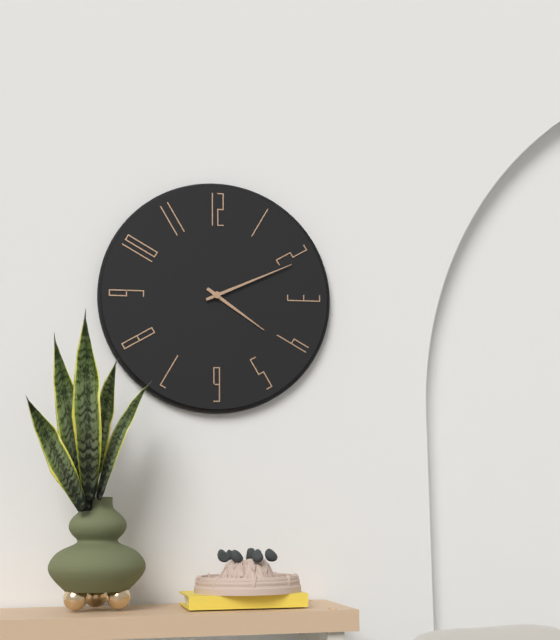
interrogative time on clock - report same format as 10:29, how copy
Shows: 4:11
